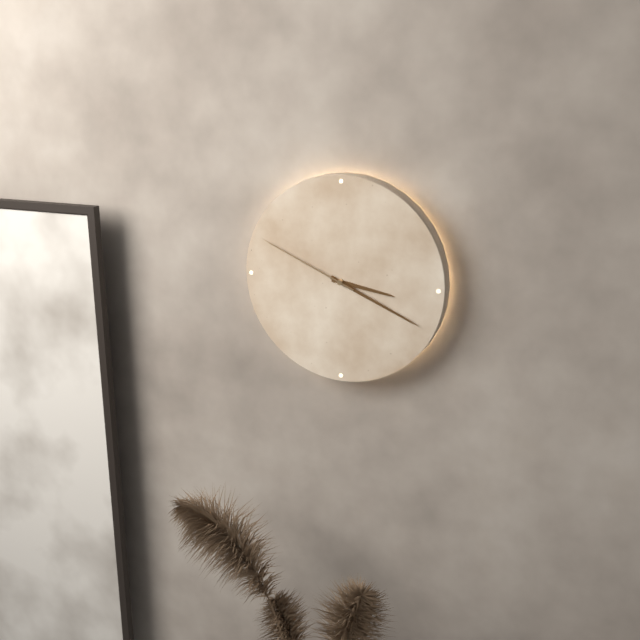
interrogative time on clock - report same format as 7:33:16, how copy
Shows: 3:19:49
